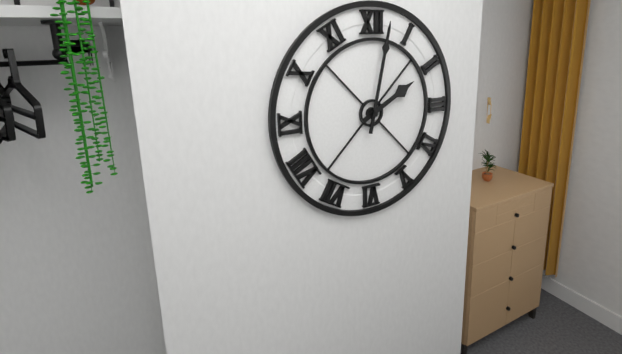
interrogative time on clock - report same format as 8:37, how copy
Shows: 2:02
